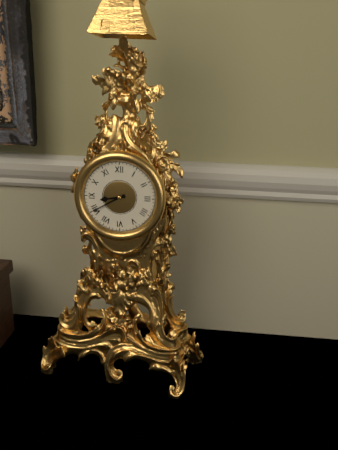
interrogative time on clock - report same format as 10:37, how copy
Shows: 8:40
